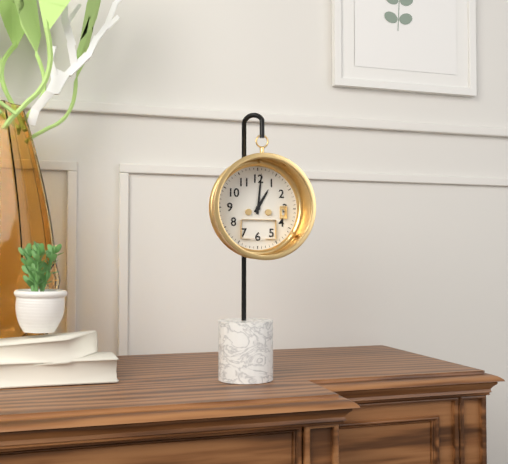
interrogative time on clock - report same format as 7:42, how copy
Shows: 1:01
